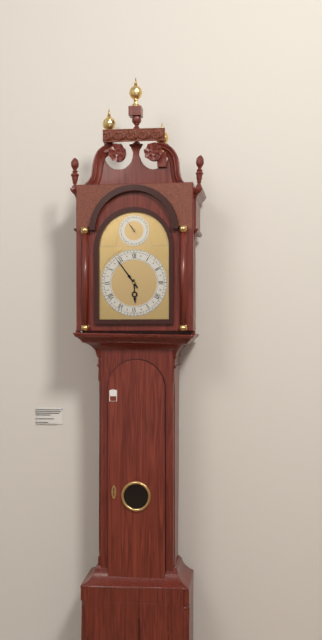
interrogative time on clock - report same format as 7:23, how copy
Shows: 5:54
